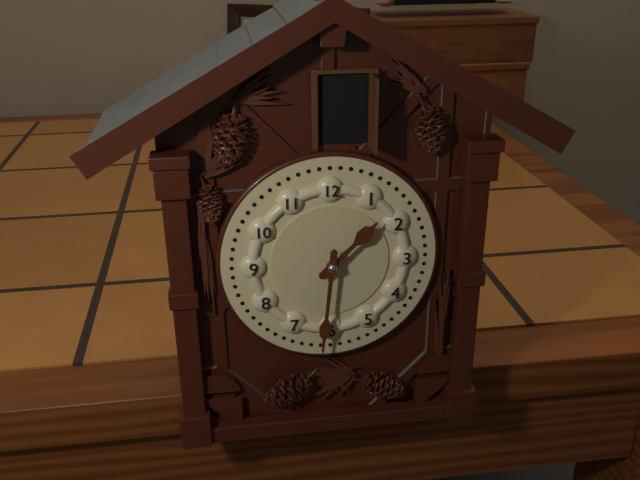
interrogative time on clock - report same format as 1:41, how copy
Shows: 1:31
